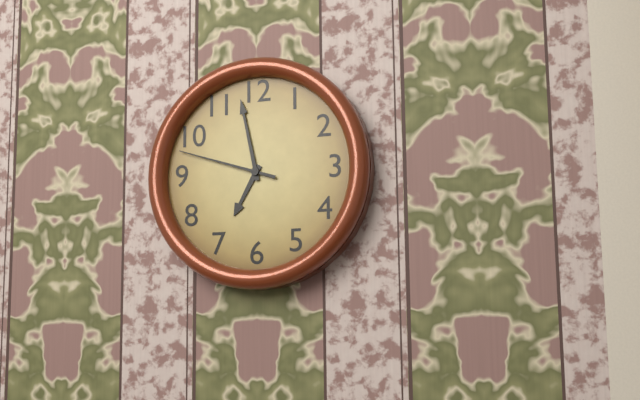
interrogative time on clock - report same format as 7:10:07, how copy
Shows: 6:58:48
